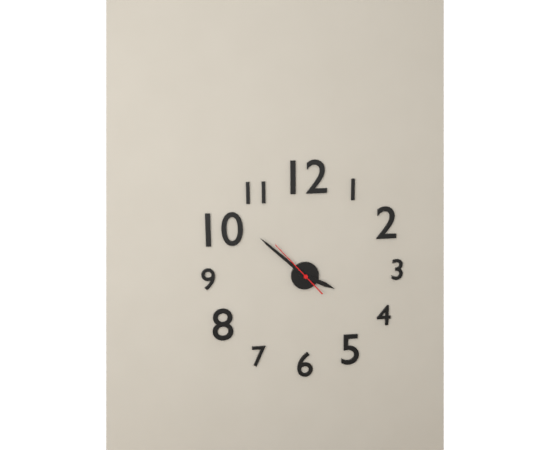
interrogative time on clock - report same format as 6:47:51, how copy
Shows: 3:52:53
